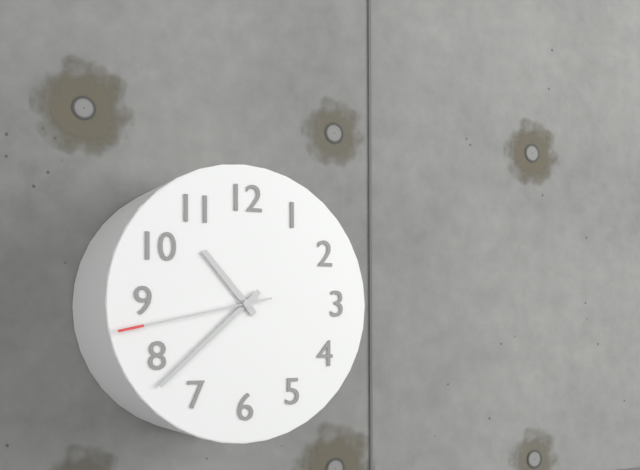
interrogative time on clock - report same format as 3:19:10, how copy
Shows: 10:38:43
